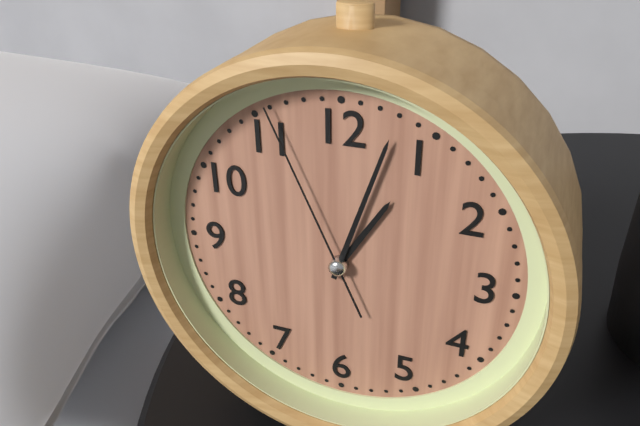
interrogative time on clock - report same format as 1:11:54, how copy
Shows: 1:03:56
